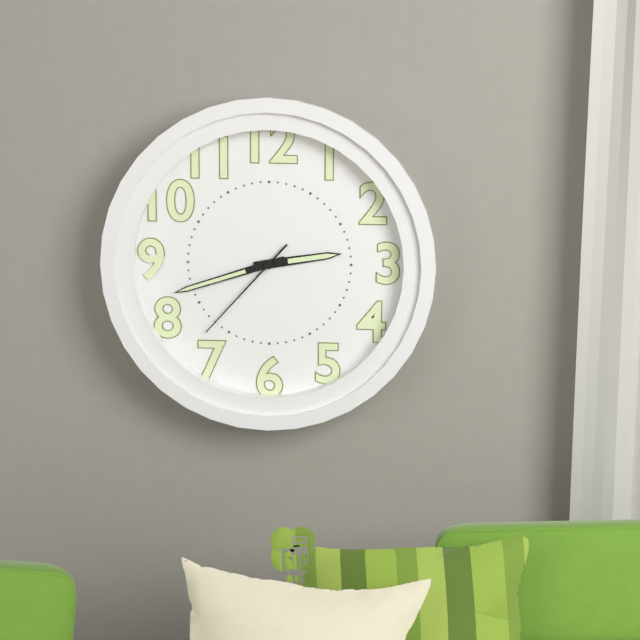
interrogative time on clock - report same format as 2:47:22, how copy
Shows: 2:42:37
